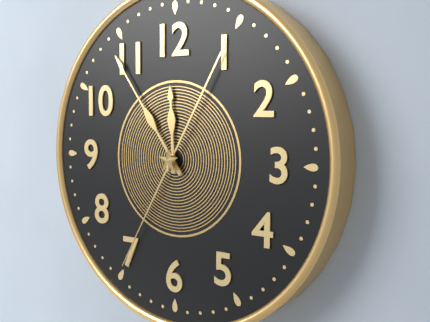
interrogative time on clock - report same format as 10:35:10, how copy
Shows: 11:54:35
